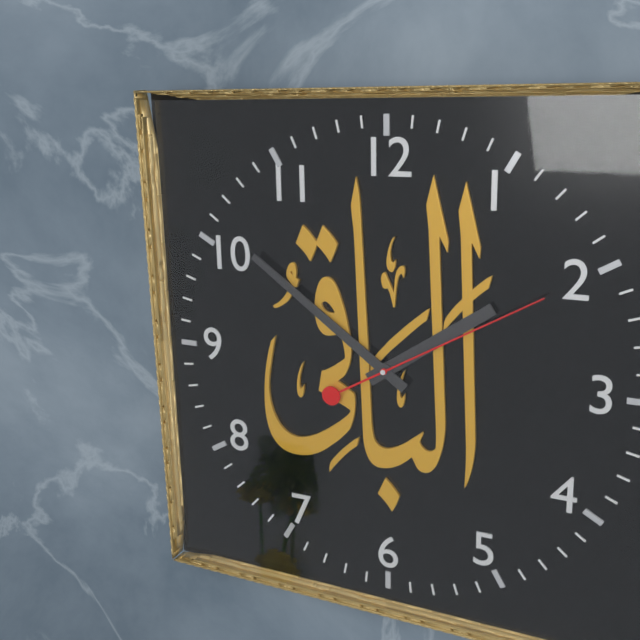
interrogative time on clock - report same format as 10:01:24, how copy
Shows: 1:51:10
